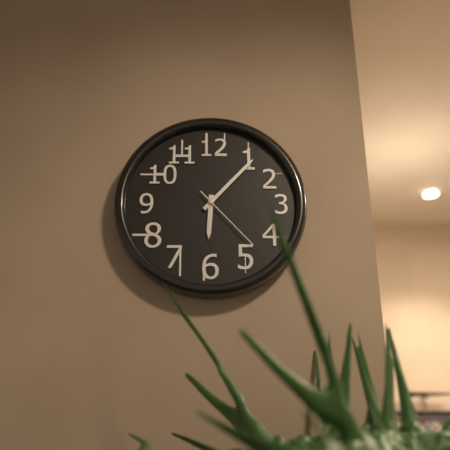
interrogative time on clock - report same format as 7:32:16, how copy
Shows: 6:07:23
